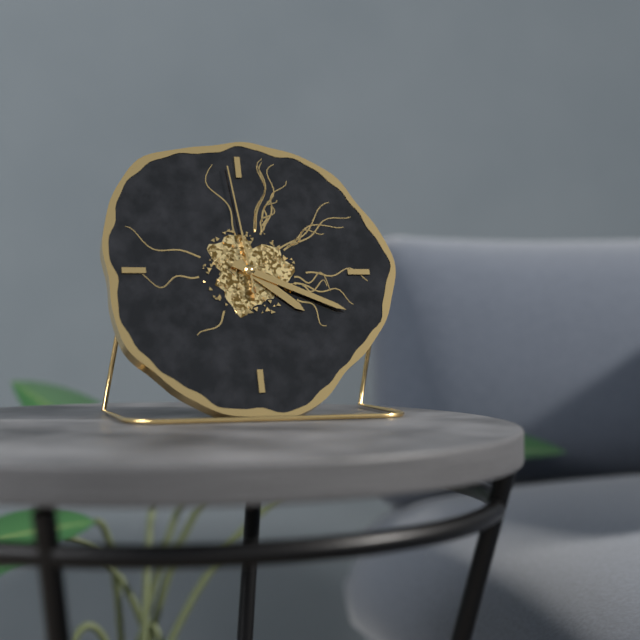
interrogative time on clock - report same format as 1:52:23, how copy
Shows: 4:19:59
